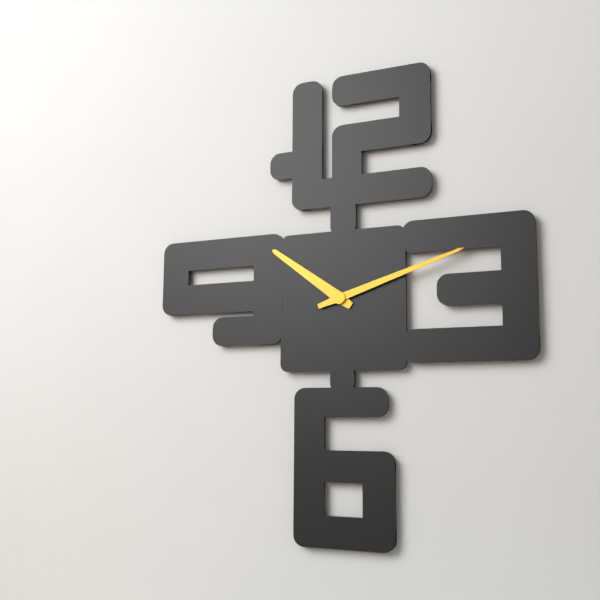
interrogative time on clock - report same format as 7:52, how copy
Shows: 10:12
